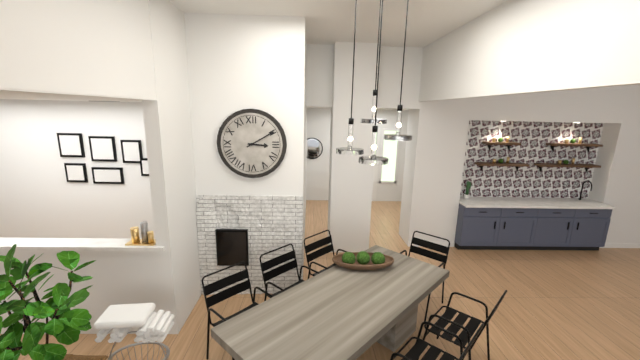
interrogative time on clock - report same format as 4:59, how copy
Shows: 3:10
